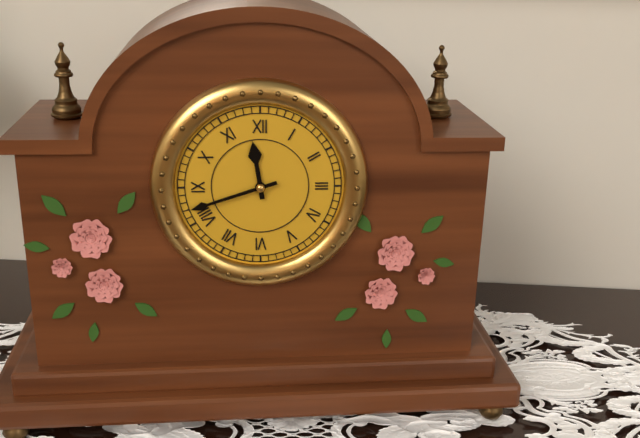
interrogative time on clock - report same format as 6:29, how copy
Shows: 11:42
